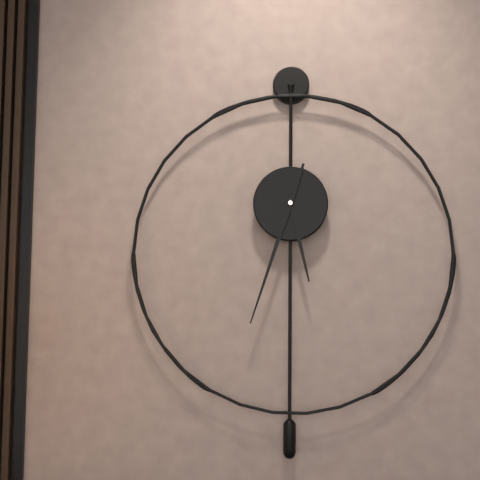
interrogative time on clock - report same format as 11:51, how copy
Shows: 5:33
